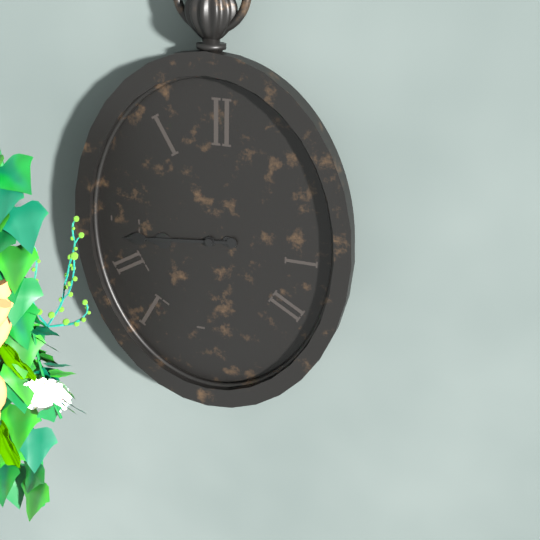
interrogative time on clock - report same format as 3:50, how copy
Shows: 8:44
